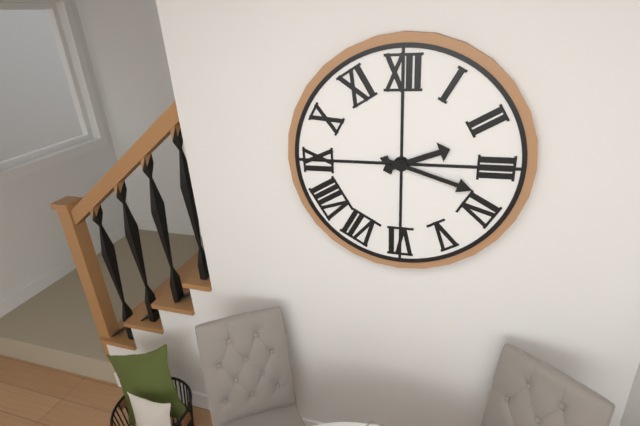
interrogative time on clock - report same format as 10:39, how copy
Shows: 2:18
